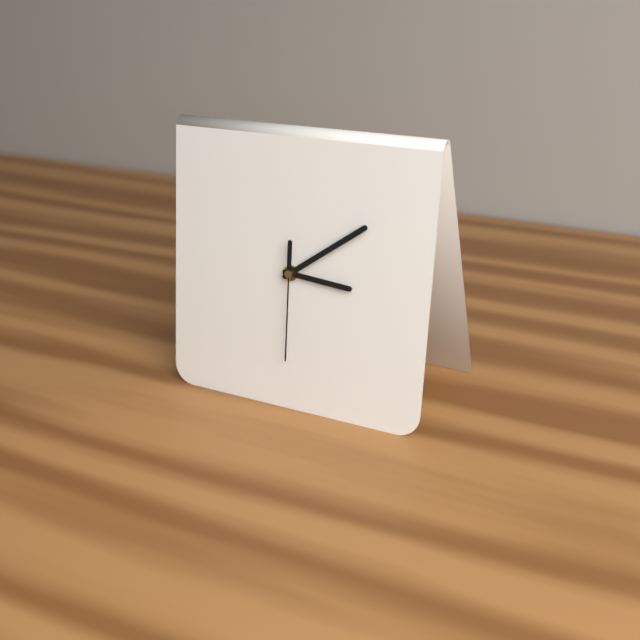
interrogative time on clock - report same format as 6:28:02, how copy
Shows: 3:09:30
